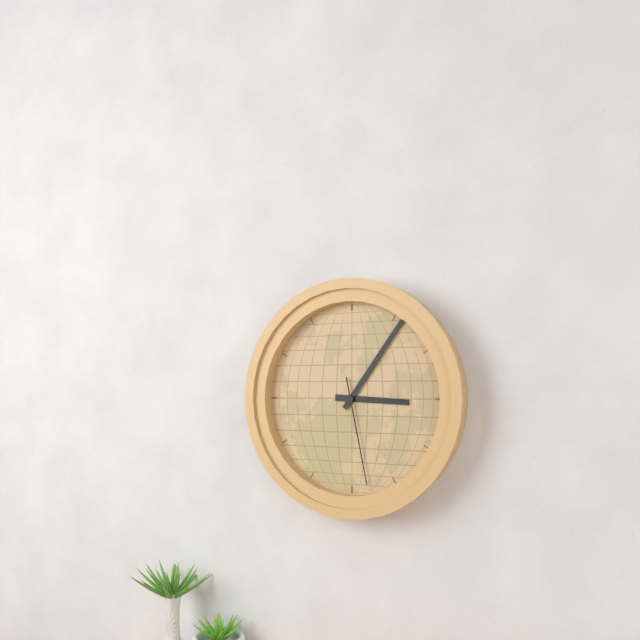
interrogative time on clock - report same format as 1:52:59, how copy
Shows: 3:06:28
